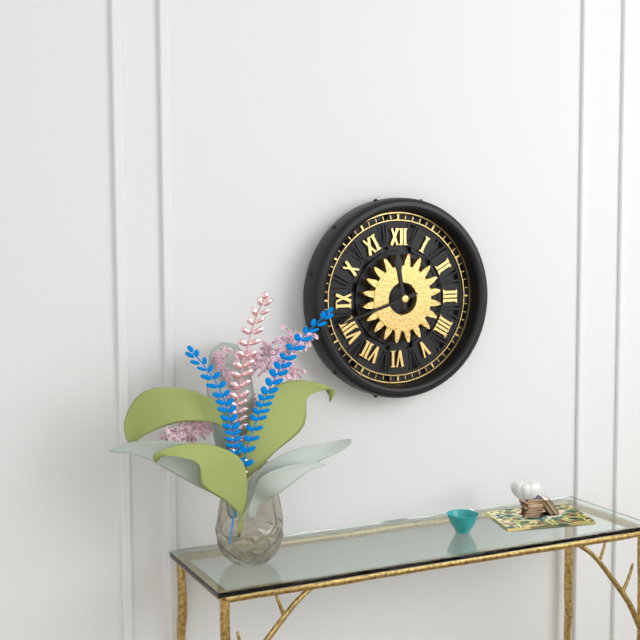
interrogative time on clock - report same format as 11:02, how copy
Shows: 11:42
